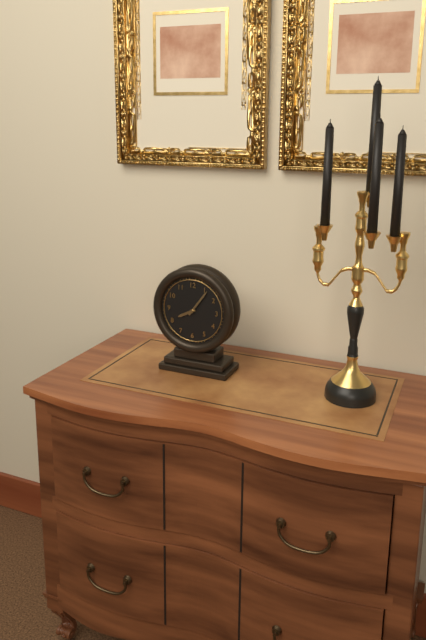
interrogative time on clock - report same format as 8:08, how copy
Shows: 8:06
